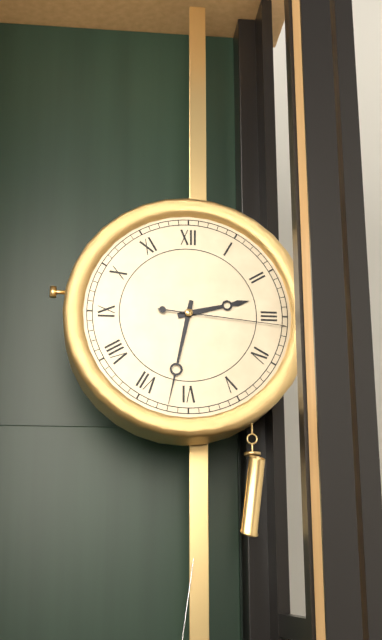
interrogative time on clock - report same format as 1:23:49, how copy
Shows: 2:32:16
